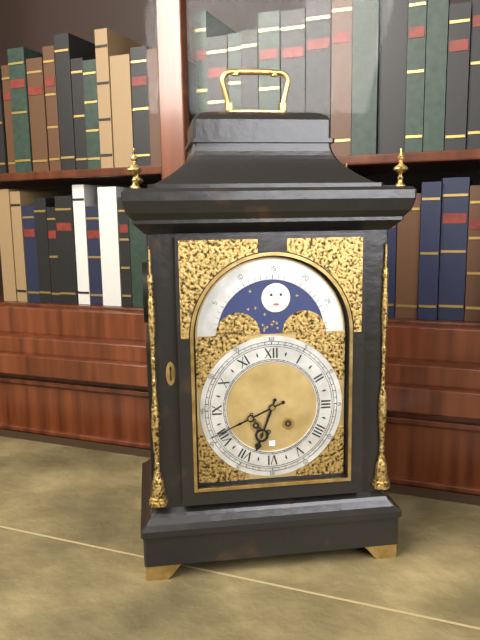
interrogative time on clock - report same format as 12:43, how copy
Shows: 6:41
